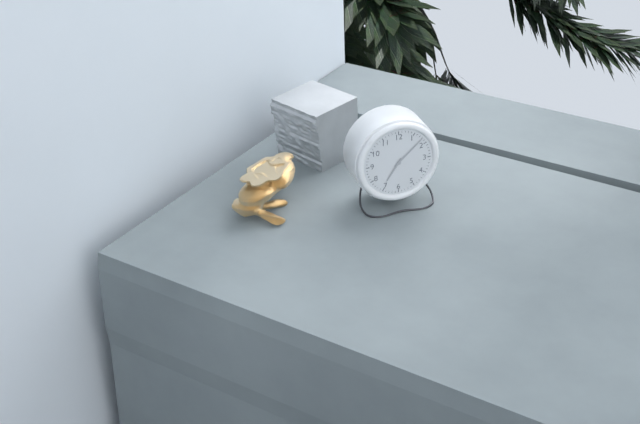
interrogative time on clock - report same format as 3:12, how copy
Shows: 7:08
